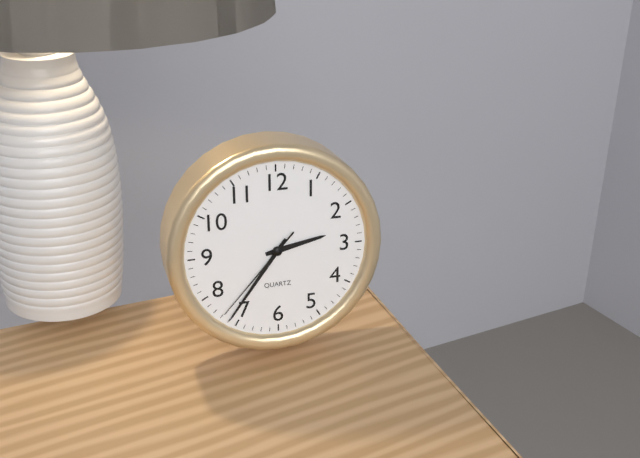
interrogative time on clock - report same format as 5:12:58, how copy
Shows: 2:36:37
